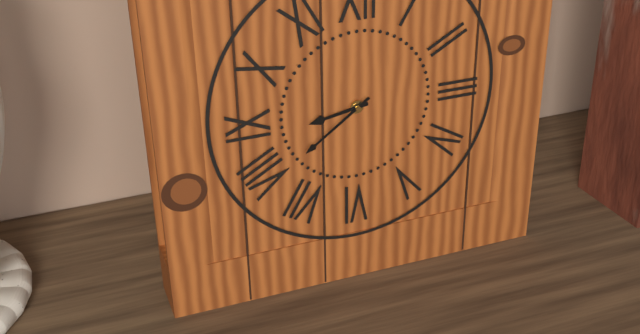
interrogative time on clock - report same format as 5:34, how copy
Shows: 8:39
